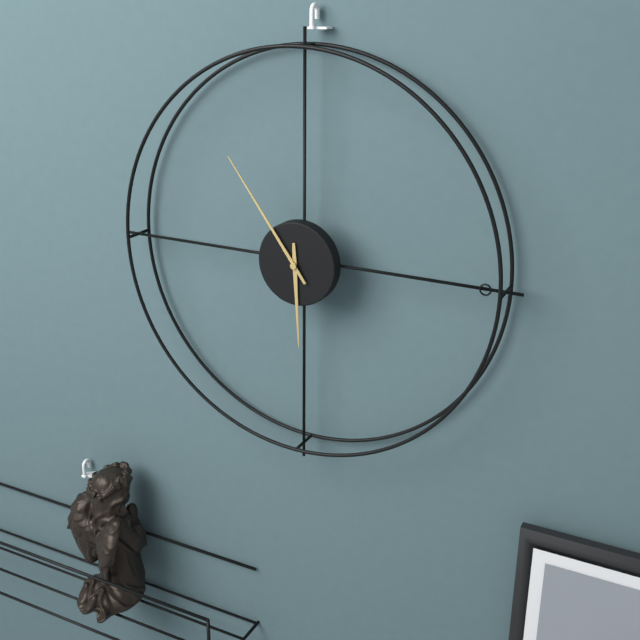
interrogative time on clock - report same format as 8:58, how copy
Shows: 5:54
